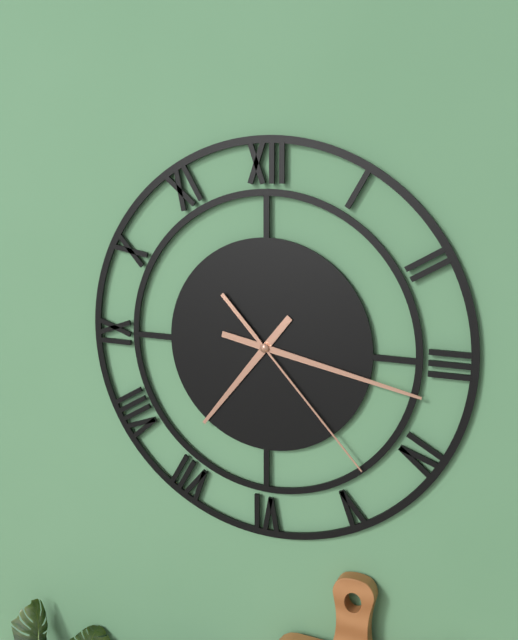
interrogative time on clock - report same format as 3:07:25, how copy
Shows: 7:17:23
